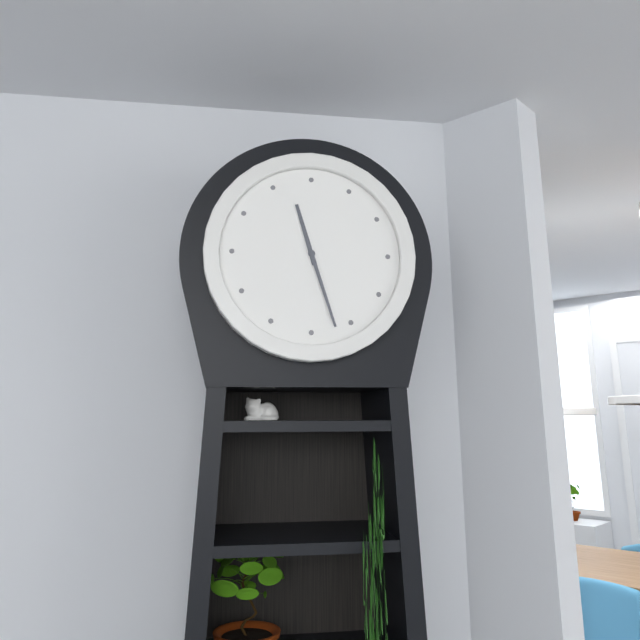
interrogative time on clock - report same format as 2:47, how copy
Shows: 11:27
